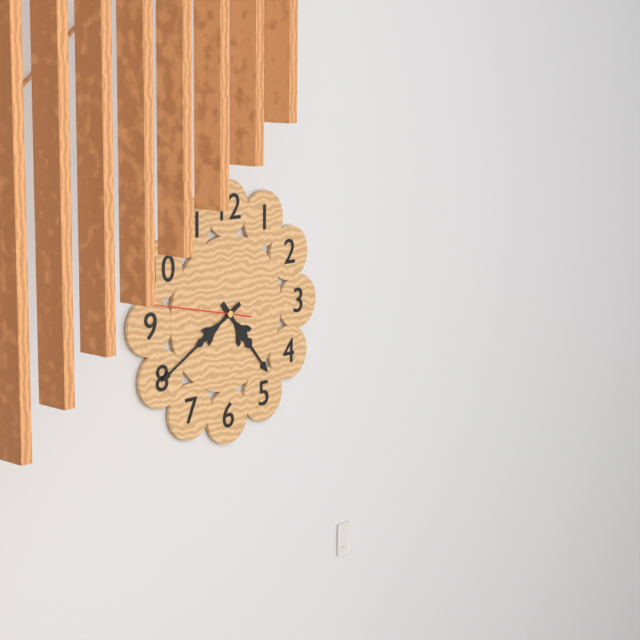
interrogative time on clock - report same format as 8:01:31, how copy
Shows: 4:40:47
